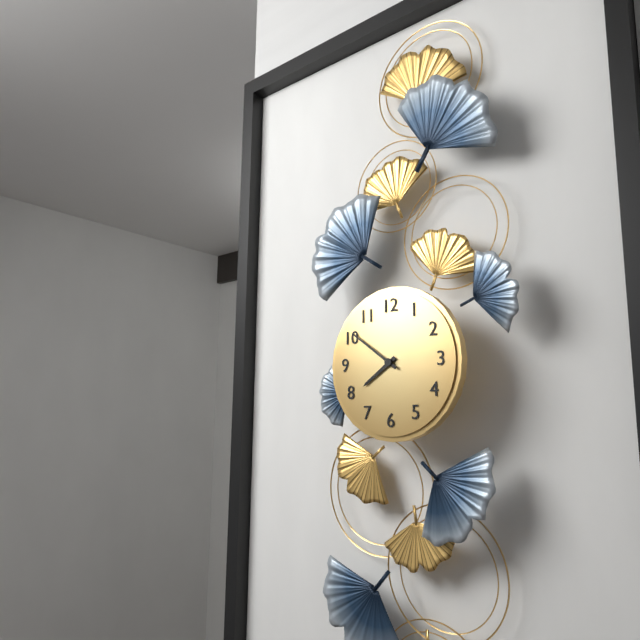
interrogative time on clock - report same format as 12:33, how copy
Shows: 7:51
